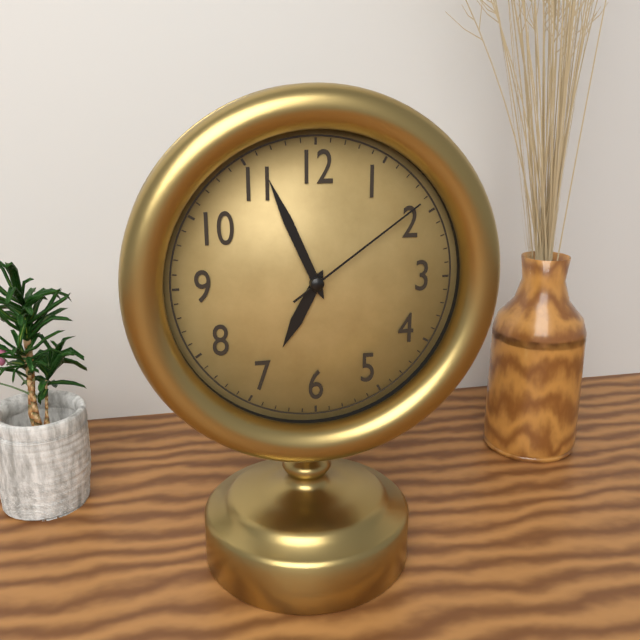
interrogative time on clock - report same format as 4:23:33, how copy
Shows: 6:56:09
